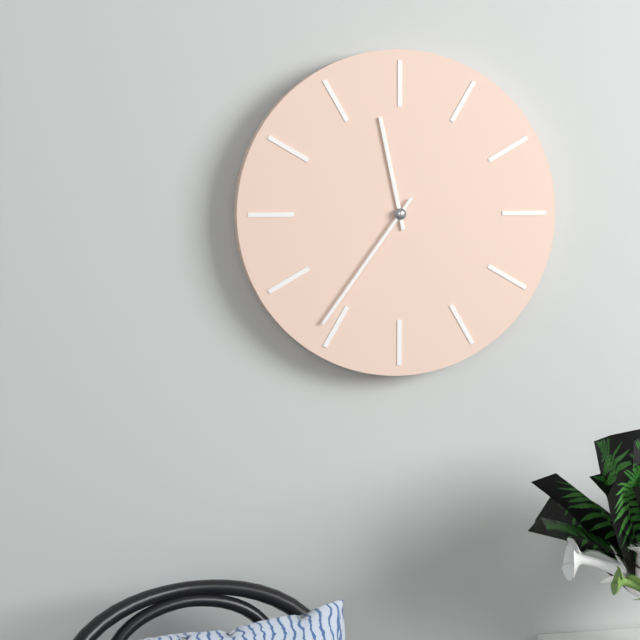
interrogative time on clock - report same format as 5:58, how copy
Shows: 11:36
